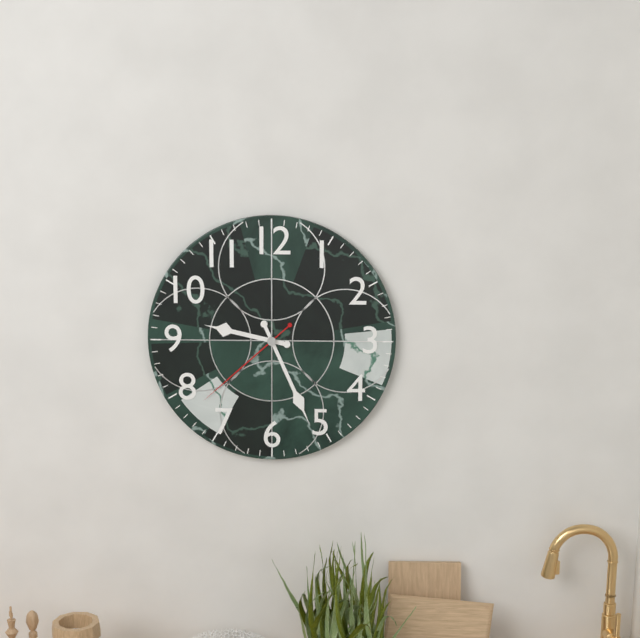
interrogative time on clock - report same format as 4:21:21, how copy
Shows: 9:26:38
